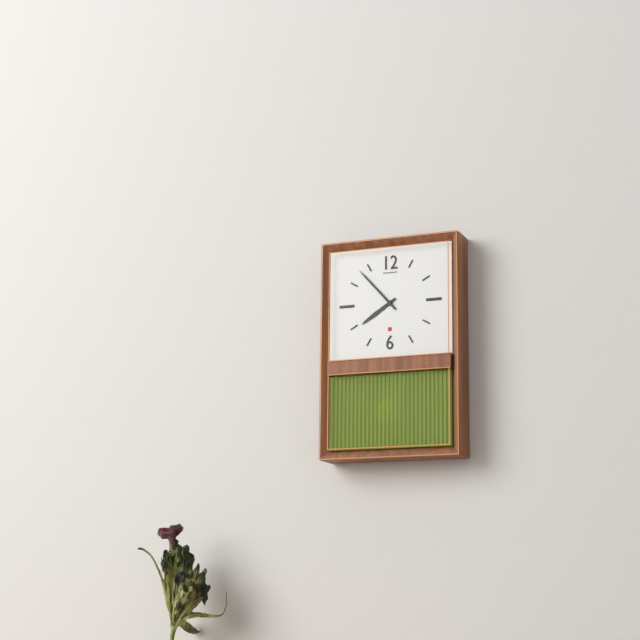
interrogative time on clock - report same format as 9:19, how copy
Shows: 7:53
